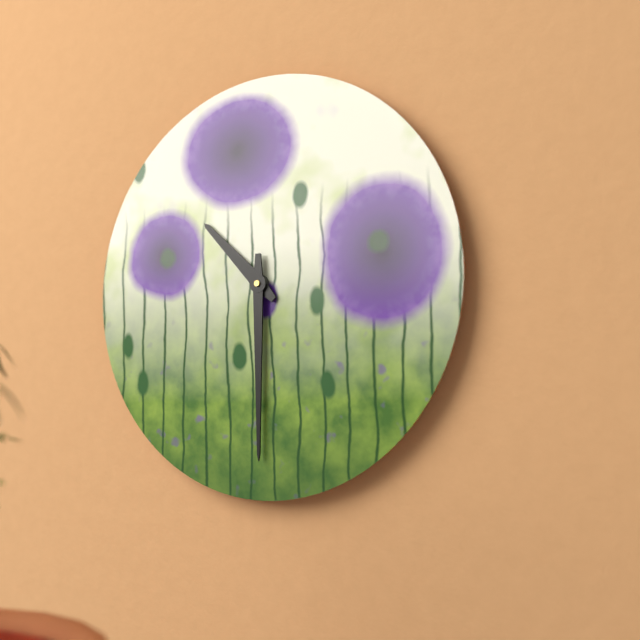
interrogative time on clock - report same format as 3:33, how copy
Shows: 10:30
